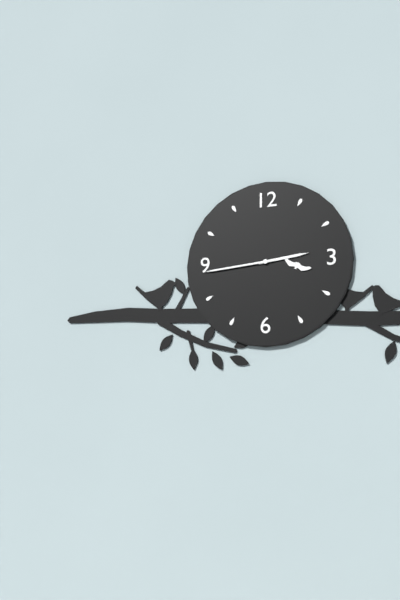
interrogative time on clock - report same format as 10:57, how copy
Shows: 2:44
